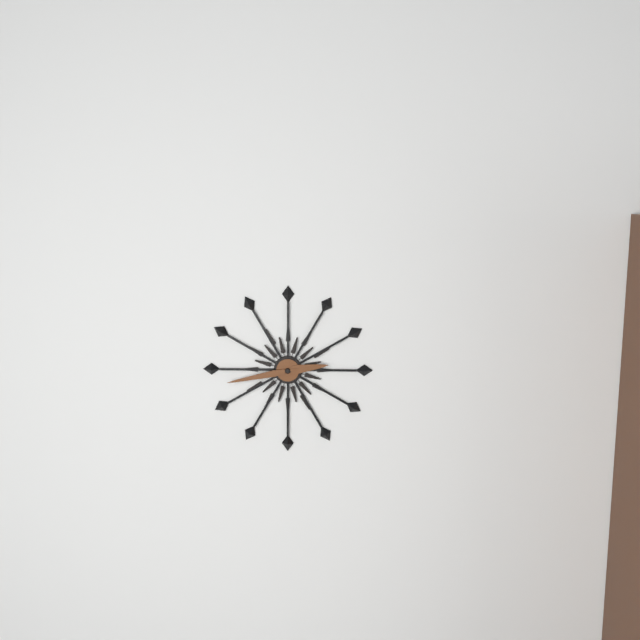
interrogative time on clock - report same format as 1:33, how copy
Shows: 2:43
